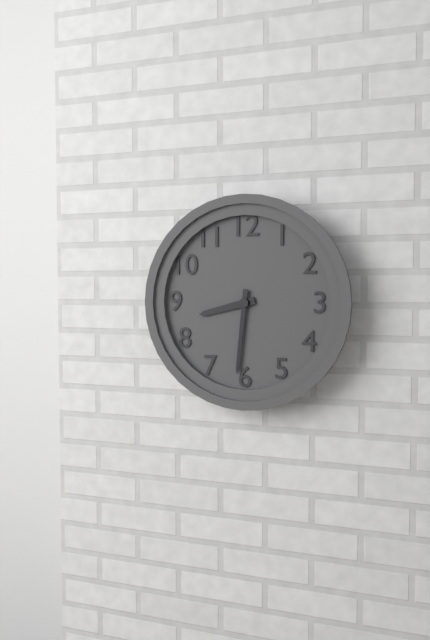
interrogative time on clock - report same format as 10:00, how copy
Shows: 8:31
